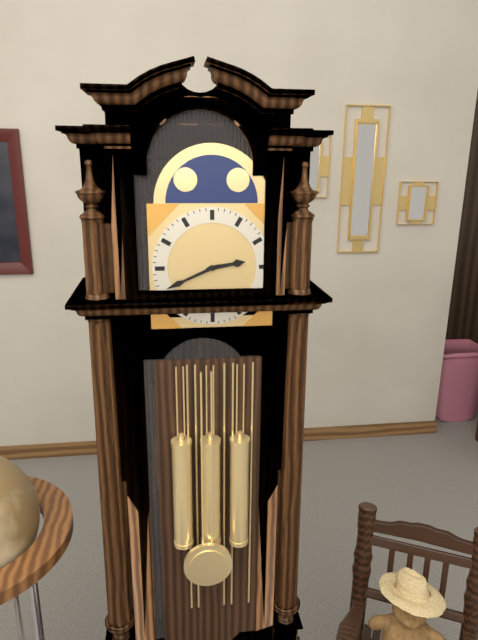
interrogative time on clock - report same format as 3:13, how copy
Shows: 2:41
